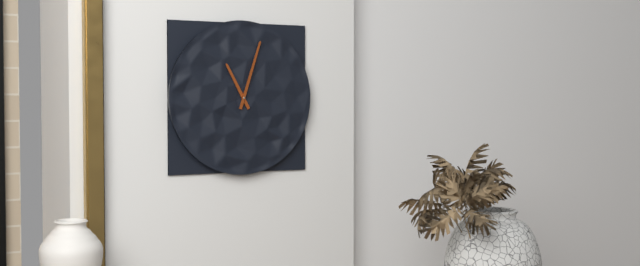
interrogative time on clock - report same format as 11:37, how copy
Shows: 11:03
